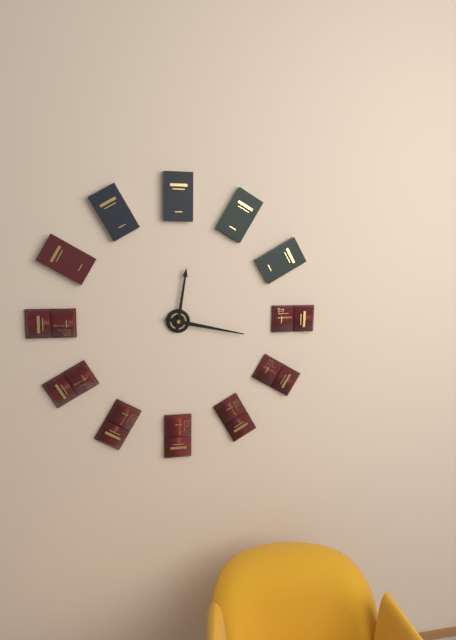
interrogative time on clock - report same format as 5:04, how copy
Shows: 12:17
